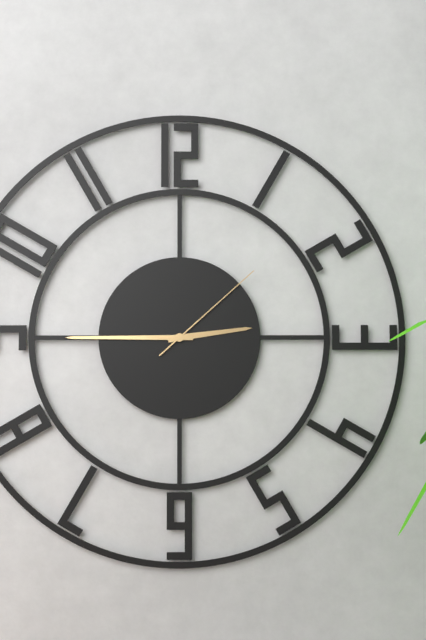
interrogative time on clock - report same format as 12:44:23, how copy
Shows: 2:45:08
